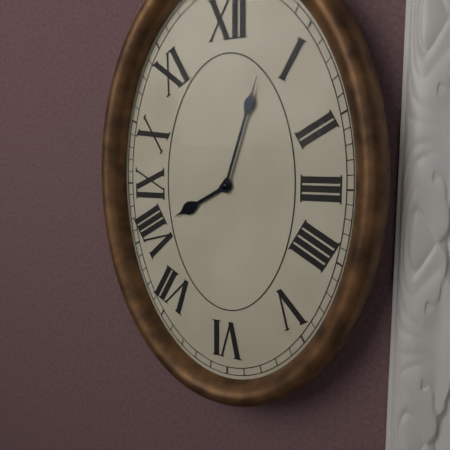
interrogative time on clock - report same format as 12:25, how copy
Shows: 8:03
